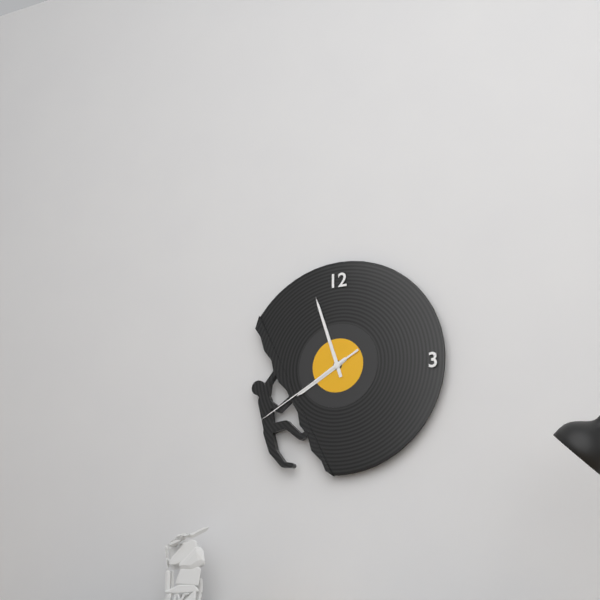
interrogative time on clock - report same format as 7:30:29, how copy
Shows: 7:57:40
